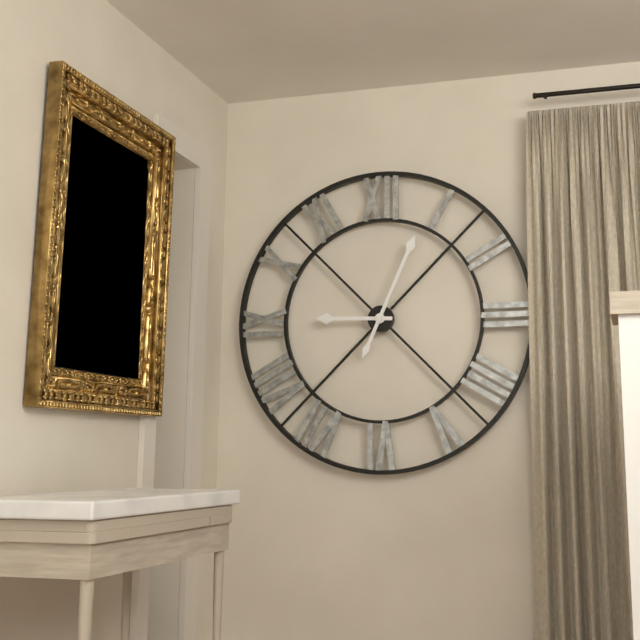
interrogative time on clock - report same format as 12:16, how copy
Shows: 9:04
